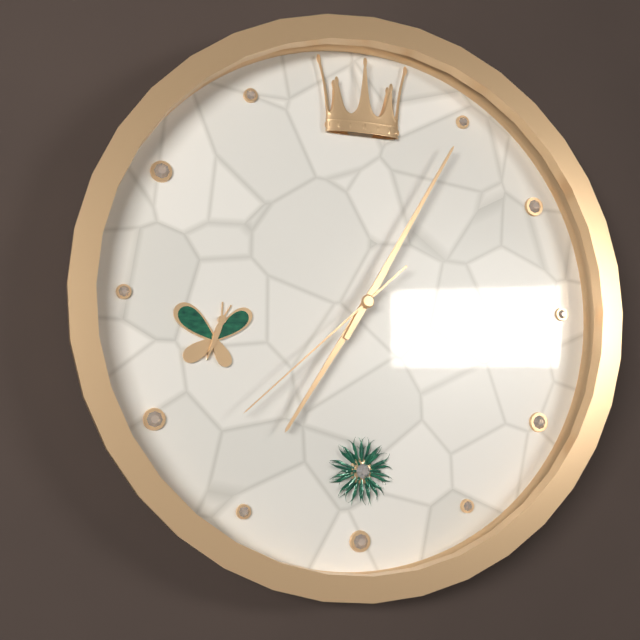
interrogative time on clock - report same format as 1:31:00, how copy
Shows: 7:05:38
